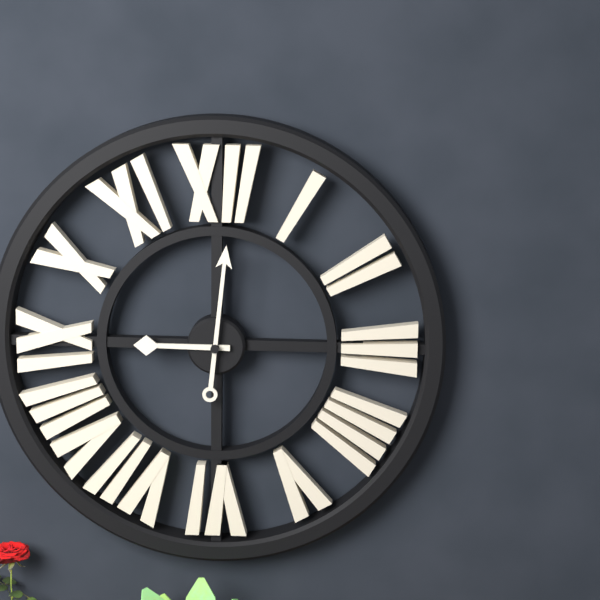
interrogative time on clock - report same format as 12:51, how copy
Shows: 9:01
